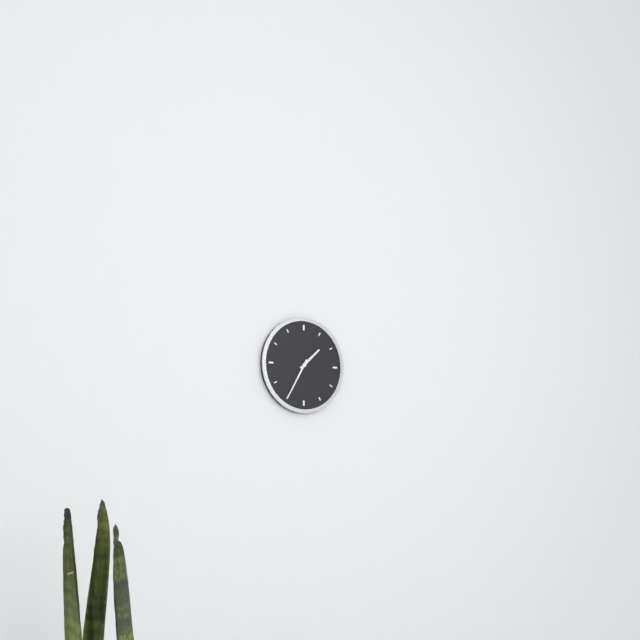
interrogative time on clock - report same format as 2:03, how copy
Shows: 1:35
